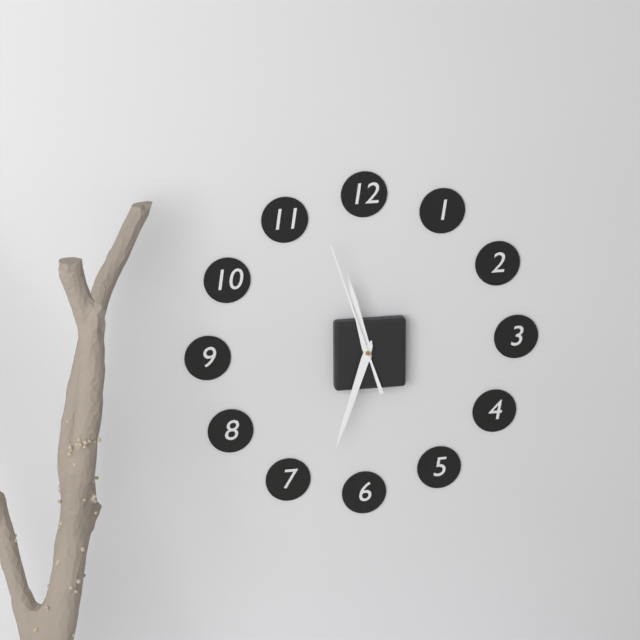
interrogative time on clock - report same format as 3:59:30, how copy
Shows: 11:33:57
